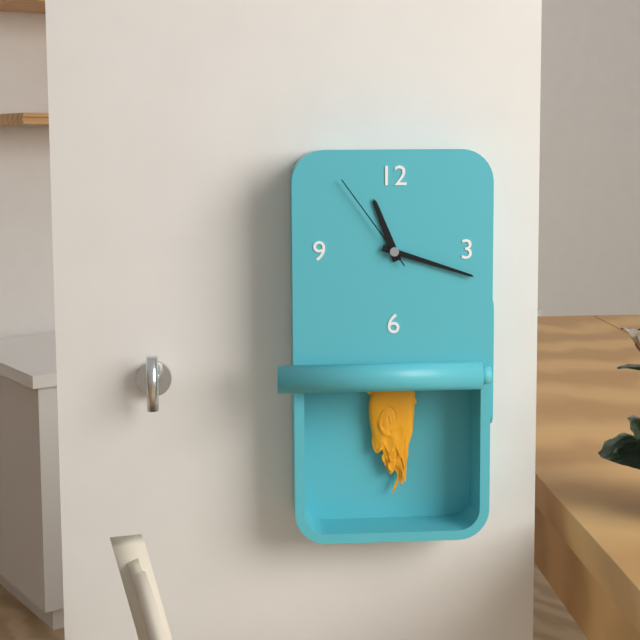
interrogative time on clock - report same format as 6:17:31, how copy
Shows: 11:18:54
